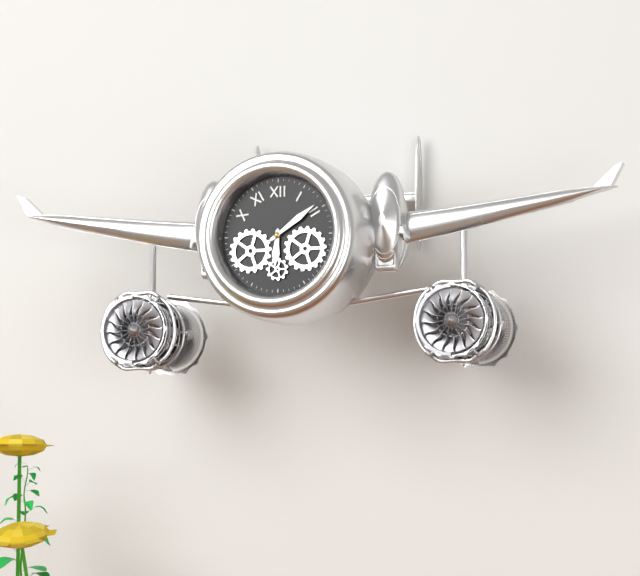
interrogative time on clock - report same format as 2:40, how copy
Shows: 6:09
